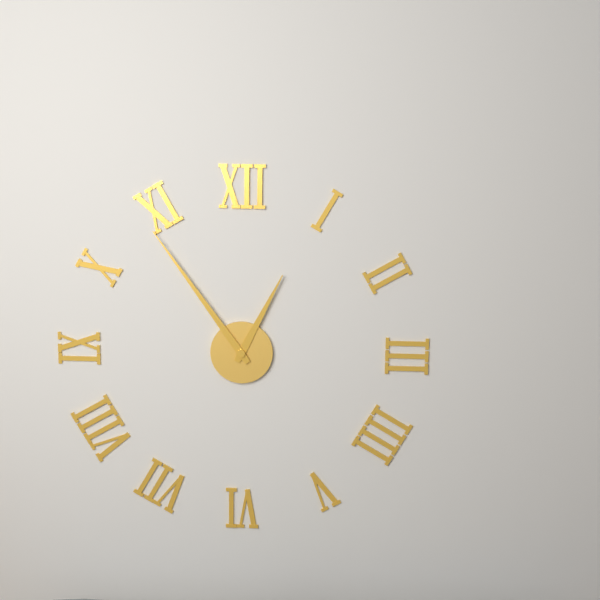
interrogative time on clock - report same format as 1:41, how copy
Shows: 12:54
